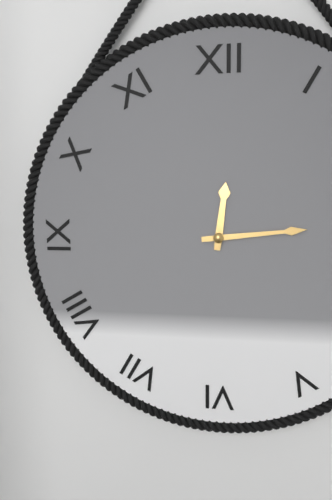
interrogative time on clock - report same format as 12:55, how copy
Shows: 12:14
